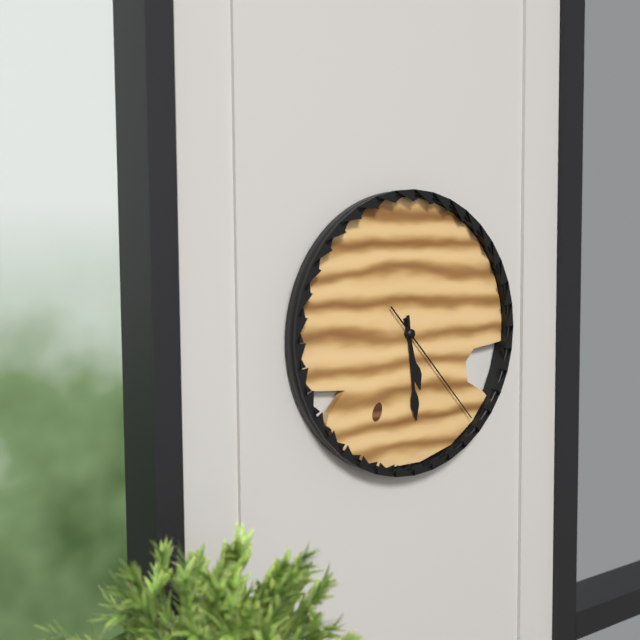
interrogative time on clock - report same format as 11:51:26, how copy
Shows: 5:29:23
